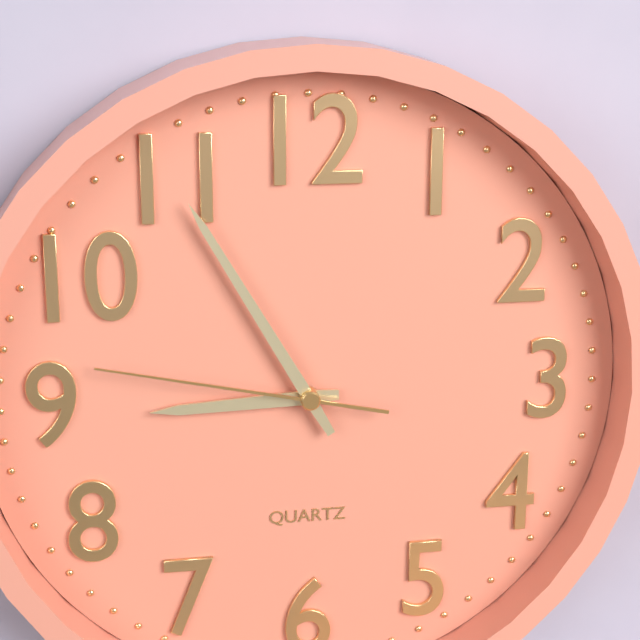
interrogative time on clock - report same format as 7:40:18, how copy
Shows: 8:55:47
